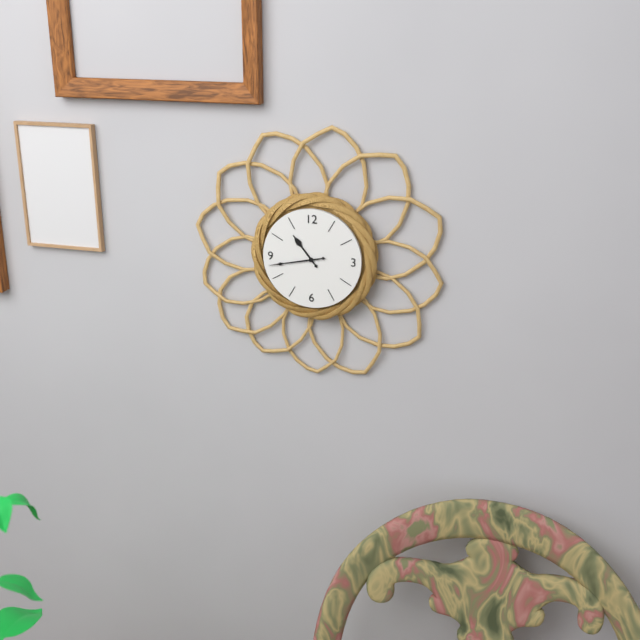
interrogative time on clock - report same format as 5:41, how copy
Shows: 10:43
